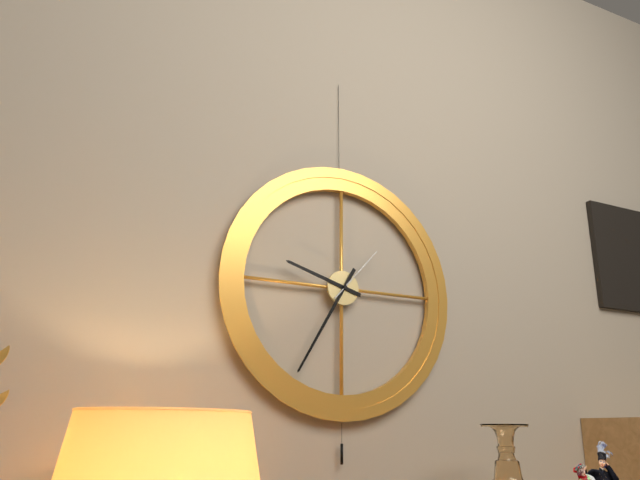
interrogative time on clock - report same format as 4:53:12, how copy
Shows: 9:35:07
